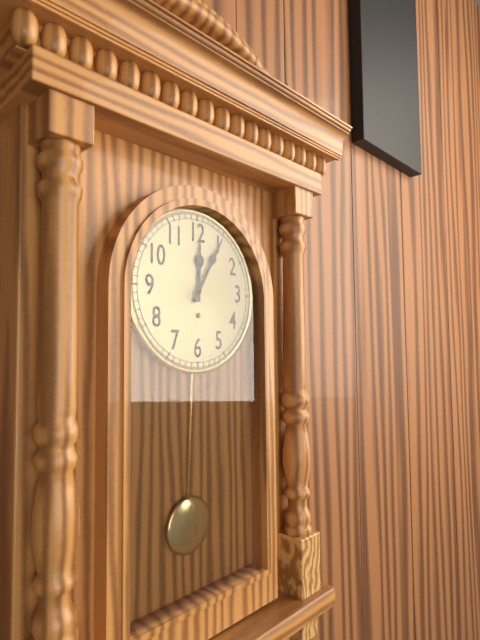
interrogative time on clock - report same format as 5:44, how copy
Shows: 12:05
